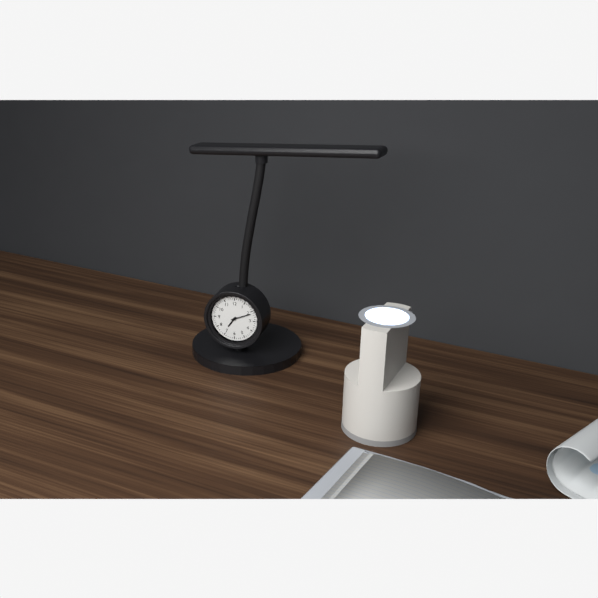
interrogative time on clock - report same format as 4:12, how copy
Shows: 7:11
